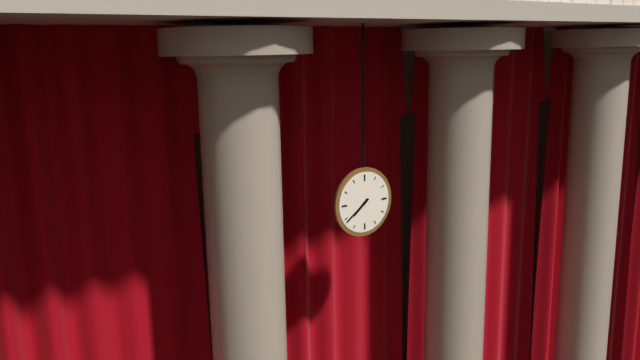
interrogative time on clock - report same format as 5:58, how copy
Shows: 7:39
